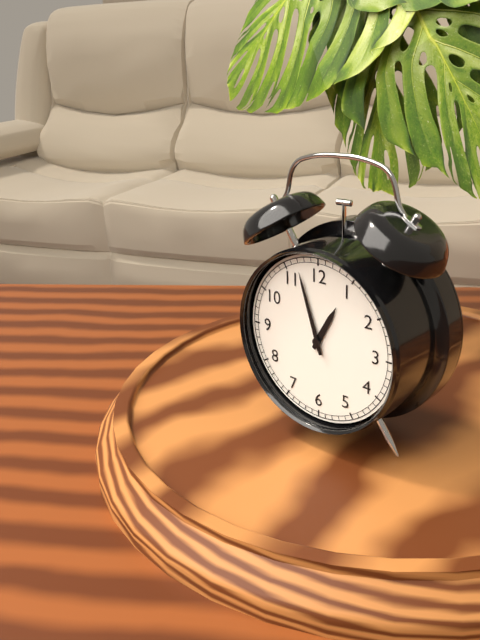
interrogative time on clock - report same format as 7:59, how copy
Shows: 12:57
